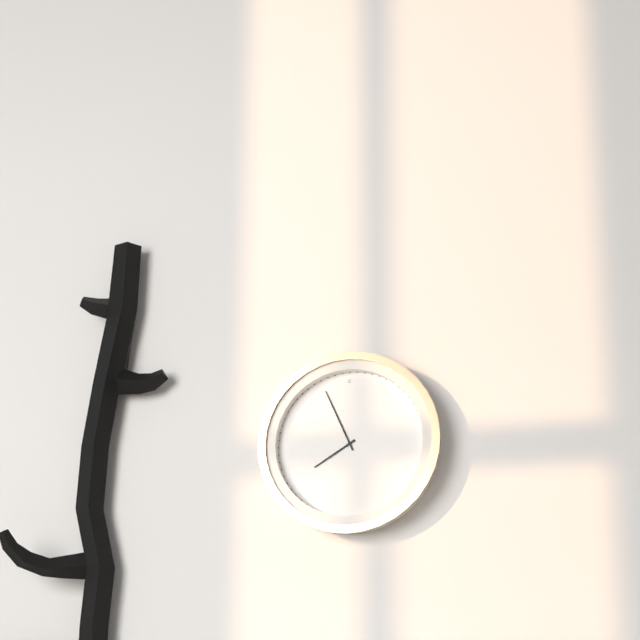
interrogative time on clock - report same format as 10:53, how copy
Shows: 7:56
